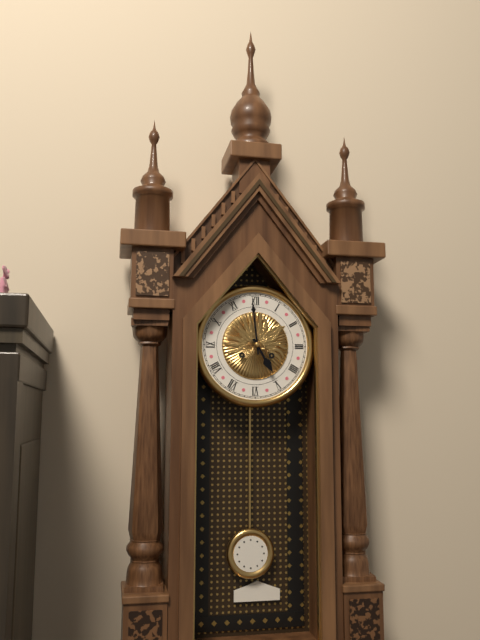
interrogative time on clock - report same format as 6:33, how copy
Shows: 4:59
